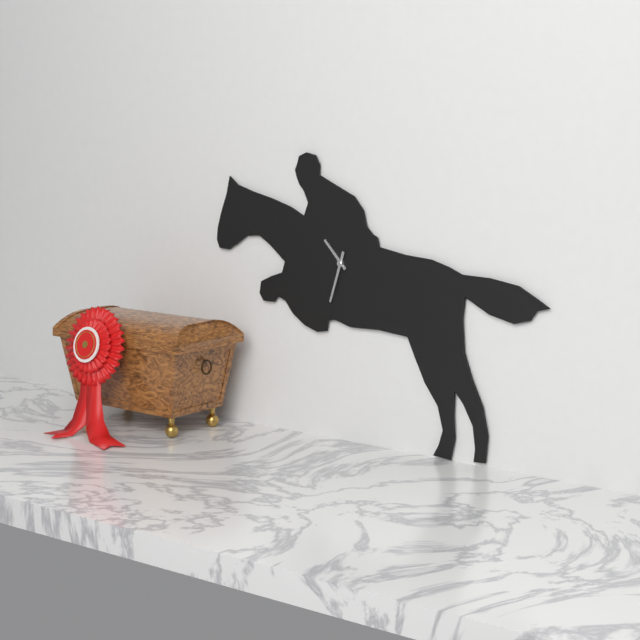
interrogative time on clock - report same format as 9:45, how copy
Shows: 10:33
